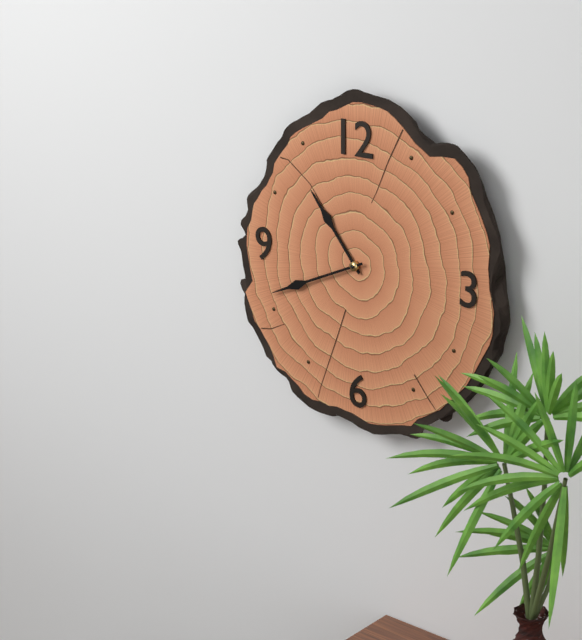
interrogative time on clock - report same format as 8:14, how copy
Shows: 10:41
